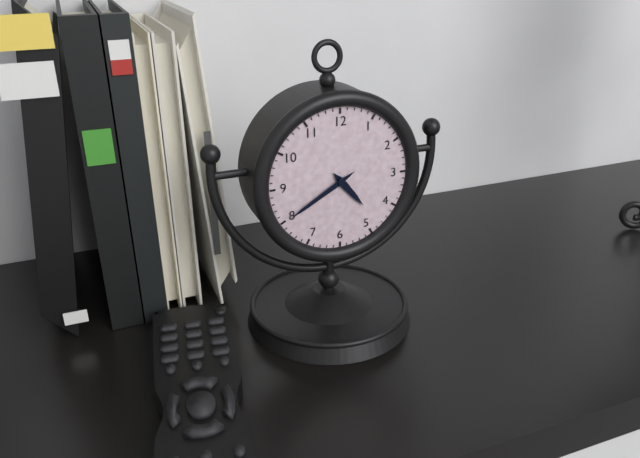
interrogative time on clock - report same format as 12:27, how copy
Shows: 4:40
